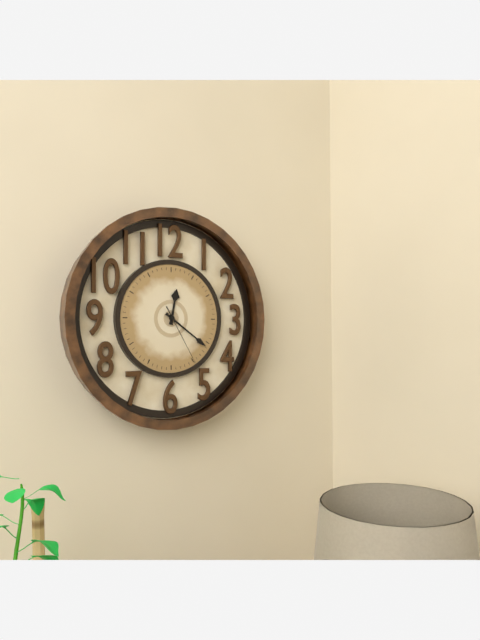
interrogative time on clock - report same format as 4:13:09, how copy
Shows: 12:21:25
